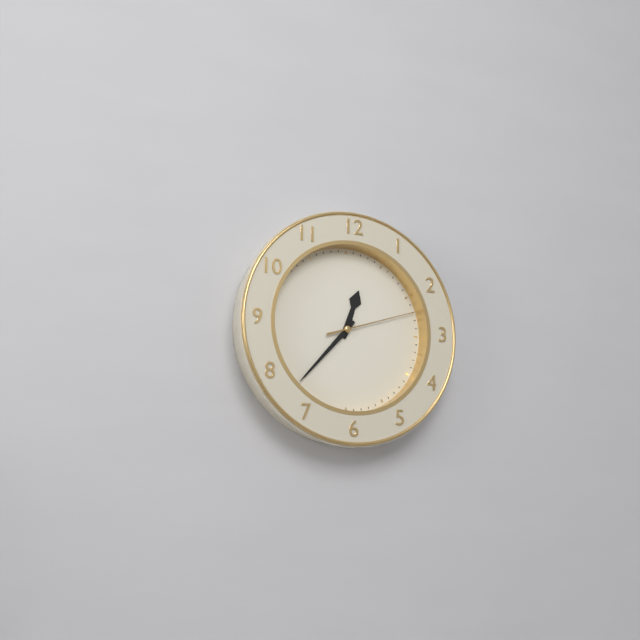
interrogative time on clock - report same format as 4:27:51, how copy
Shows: 12:37:12
